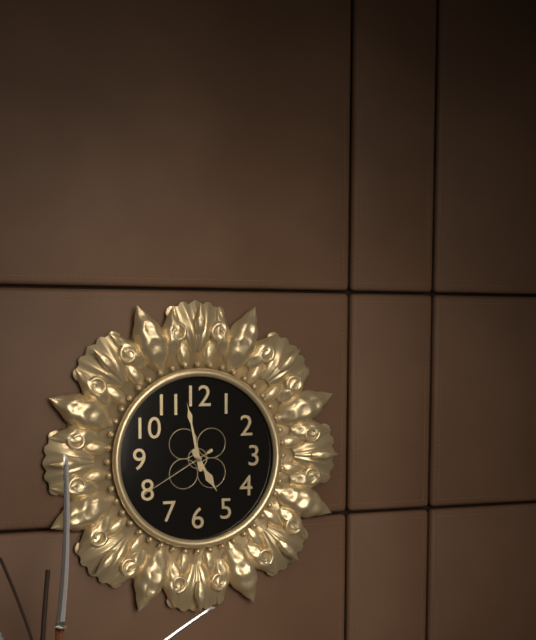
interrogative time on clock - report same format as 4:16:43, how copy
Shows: 4:58:40
